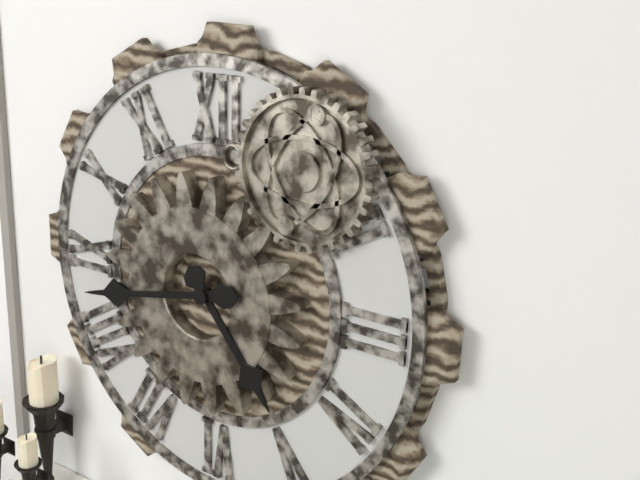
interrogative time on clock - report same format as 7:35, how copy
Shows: 4:43
